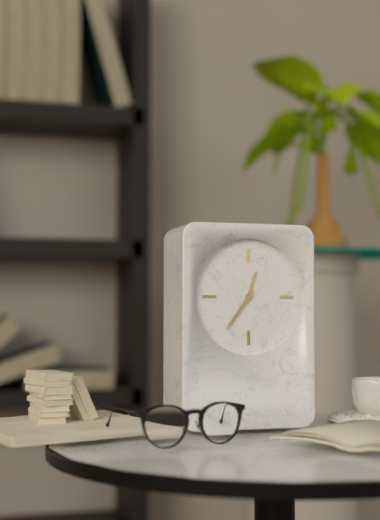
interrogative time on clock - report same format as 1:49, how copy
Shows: 12:36
